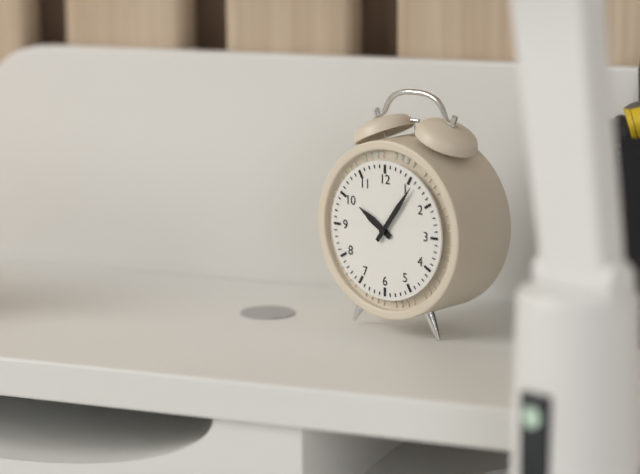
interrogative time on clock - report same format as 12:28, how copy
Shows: 10:06
